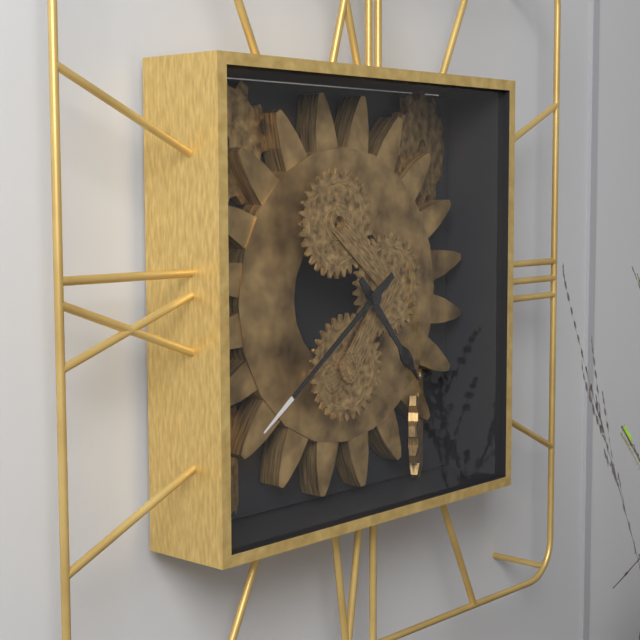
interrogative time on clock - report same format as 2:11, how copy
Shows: 4:39
